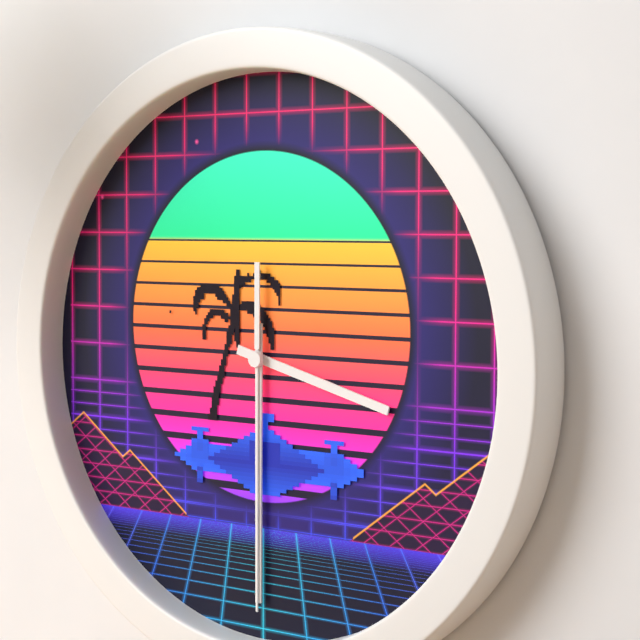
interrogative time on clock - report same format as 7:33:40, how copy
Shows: 3:30:30
